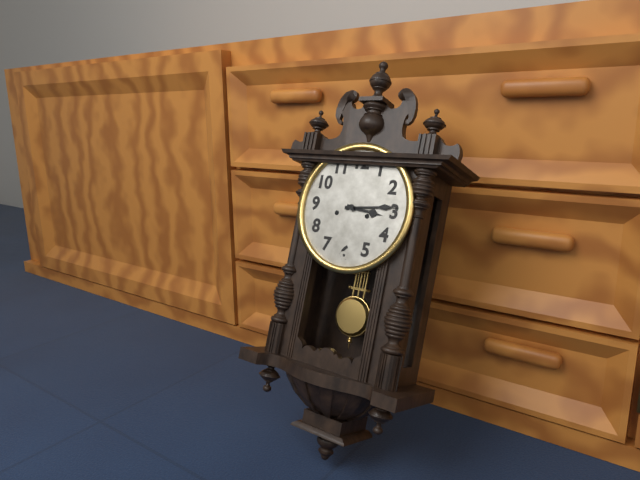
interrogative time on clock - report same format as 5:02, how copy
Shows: 3:14
